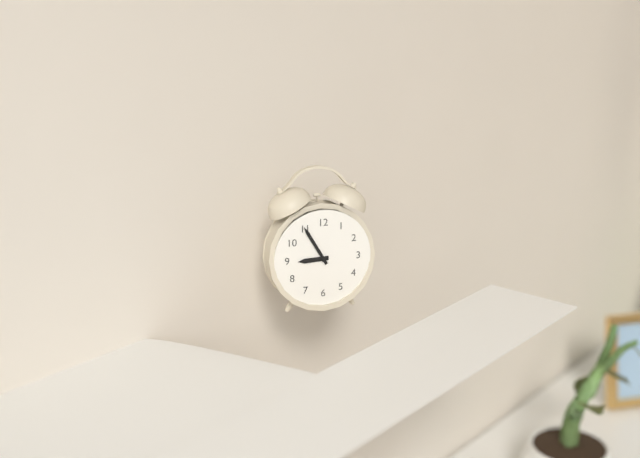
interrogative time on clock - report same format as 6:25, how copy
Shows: 8:55
